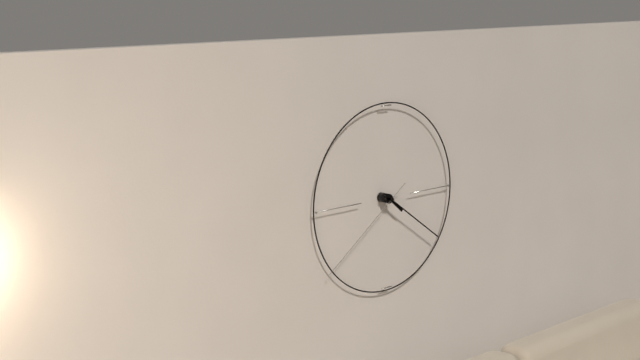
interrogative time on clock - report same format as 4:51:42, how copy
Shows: 4:21:39
